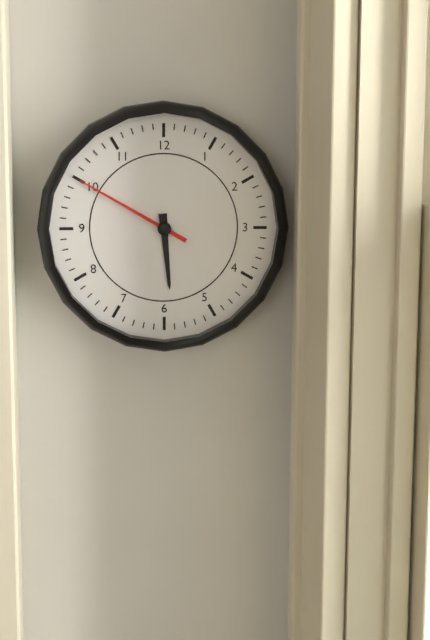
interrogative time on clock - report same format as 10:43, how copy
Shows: 5:50
